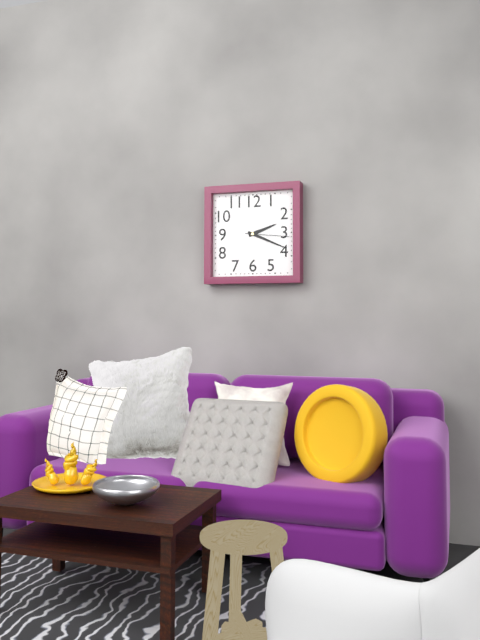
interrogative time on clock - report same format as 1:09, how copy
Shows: 2:19
